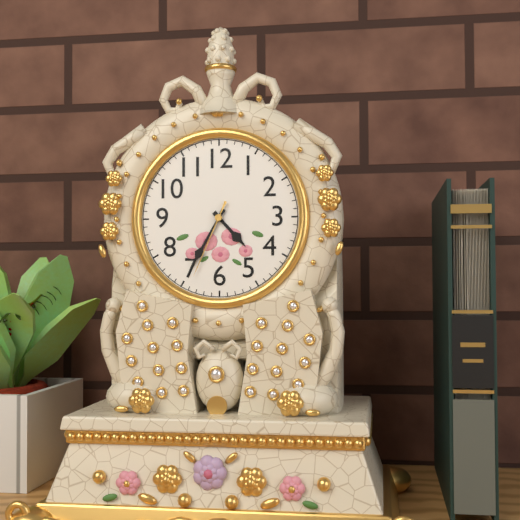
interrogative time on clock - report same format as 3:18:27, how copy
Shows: 4:35:34
